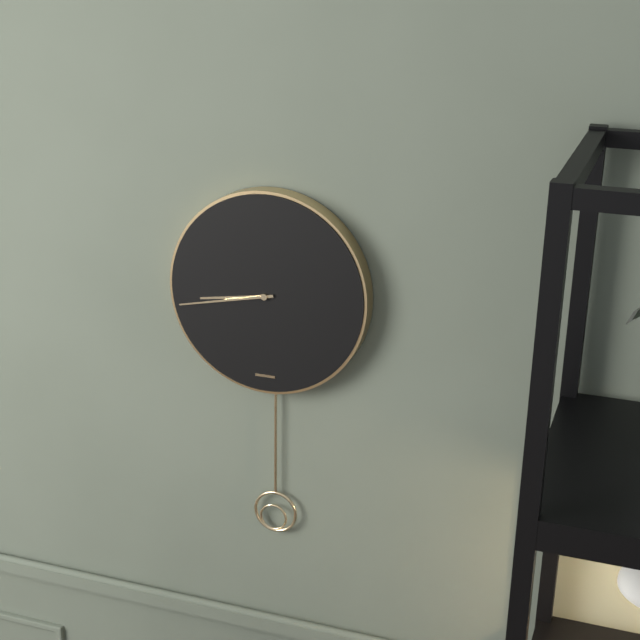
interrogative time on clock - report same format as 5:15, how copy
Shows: 8:43
